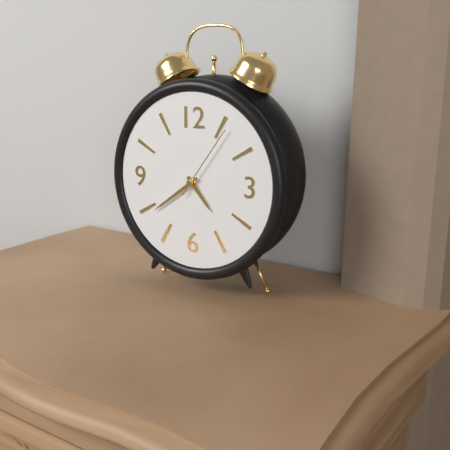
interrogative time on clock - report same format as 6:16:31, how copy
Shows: 4:39:06
